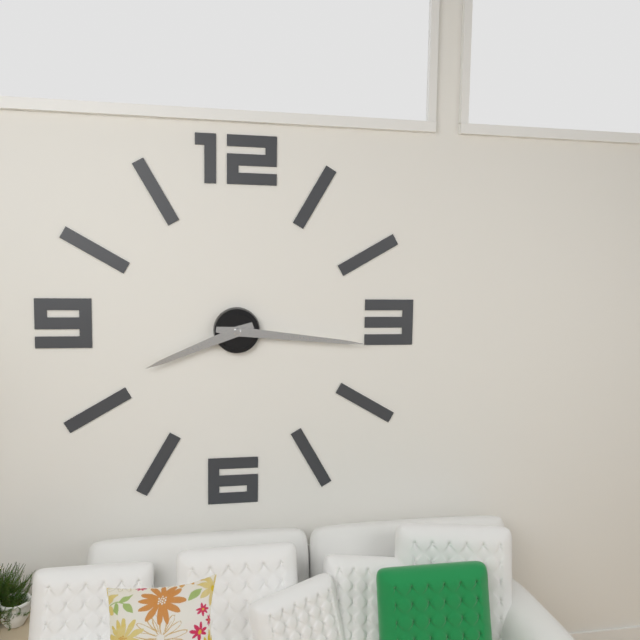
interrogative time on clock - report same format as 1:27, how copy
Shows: 8:16
